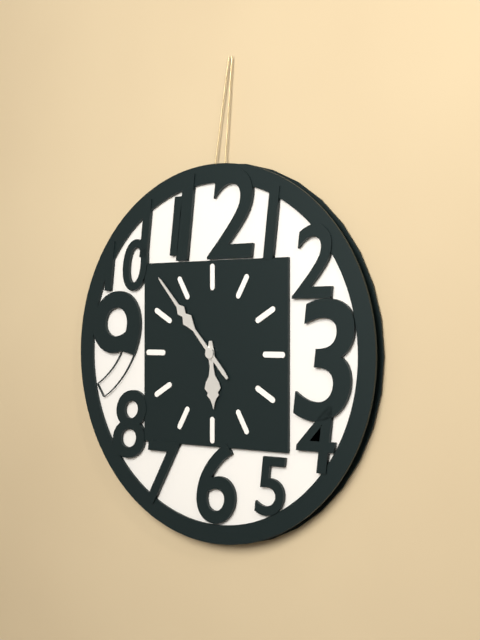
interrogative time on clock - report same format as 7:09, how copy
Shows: 5:53
